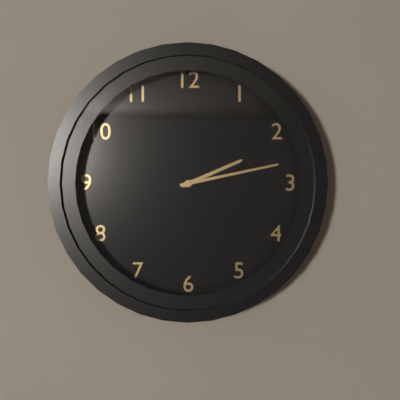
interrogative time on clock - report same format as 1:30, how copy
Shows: 2:13
